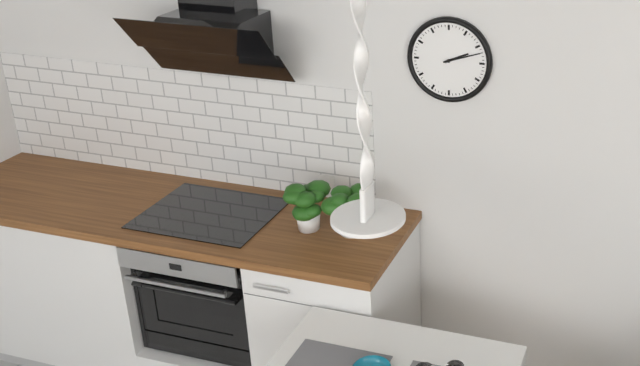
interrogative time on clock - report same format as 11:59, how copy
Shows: 2:12
